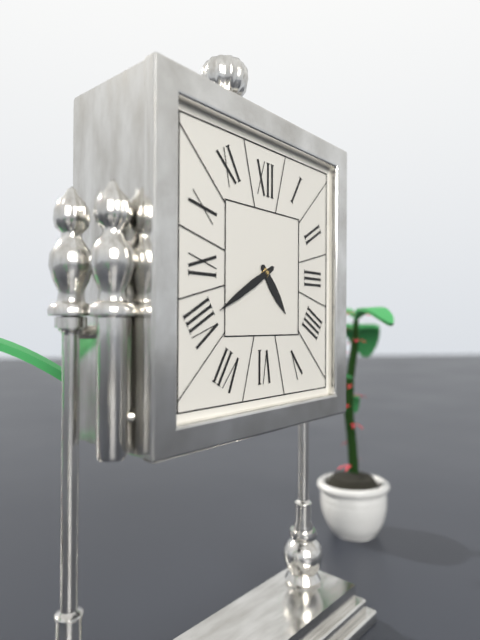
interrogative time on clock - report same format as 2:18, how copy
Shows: 4:40
